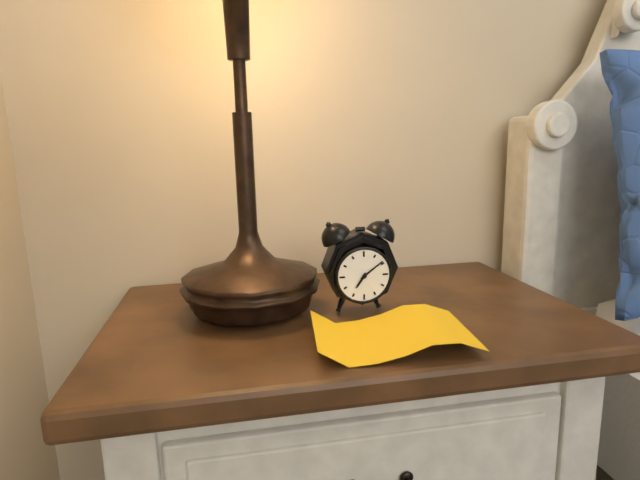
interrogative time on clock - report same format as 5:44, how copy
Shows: 7:09
